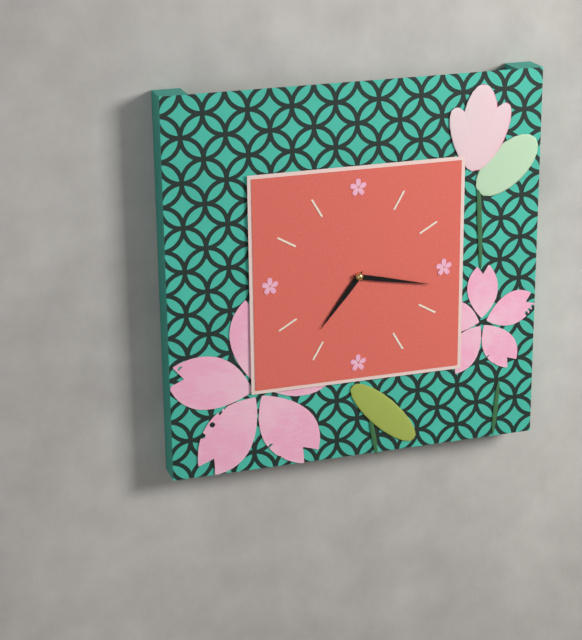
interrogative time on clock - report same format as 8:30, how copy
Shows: 7:17
